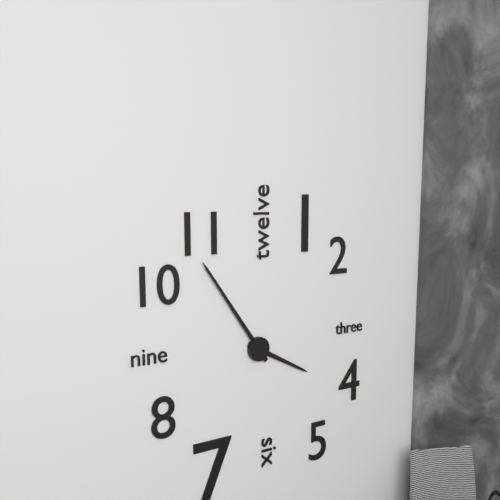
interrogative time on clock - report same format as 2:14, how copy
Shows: 3:54
